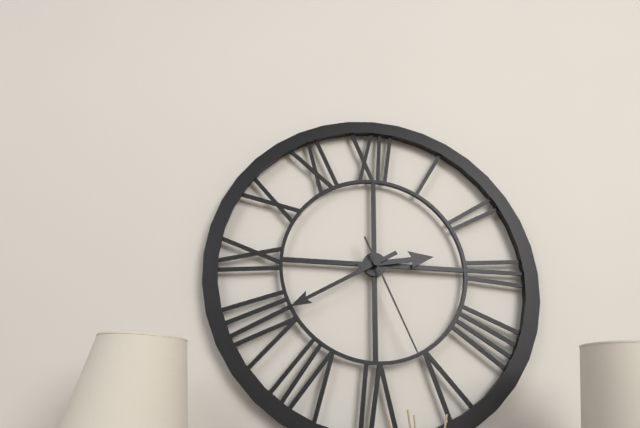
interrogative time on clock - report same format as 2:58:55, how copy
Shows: 2:40:26
